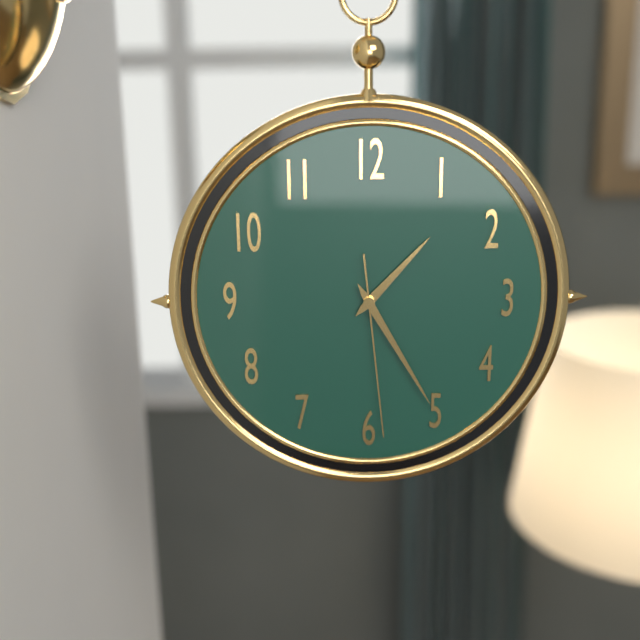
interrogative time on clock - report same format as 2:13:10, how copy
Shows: 1:25:29
